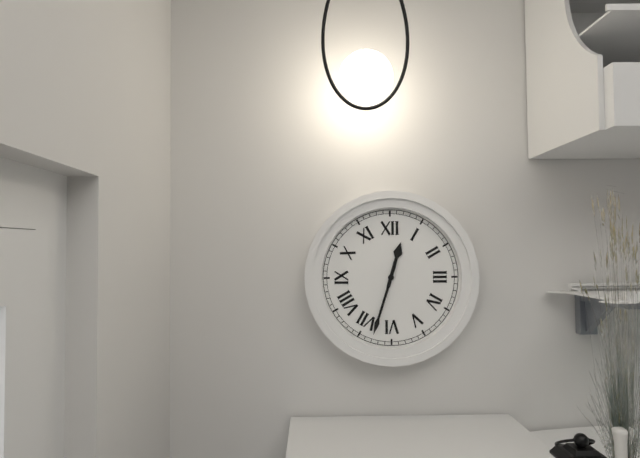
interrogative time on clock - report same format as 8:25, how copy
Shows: 12:33
